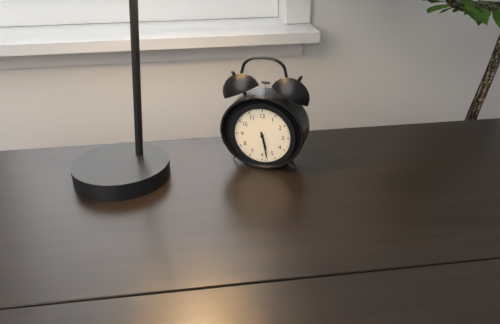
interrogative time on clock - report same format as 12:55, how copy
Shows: 5:28
